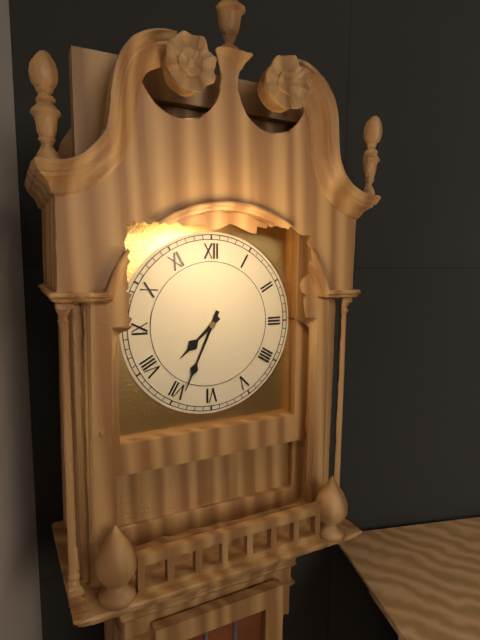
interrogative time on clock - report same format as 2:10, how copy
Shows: 7:34
